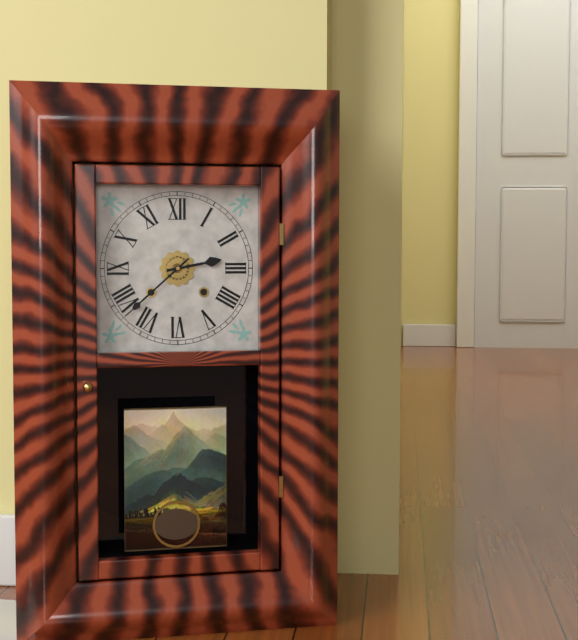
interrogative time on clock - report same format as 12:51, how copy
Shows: 2:38
